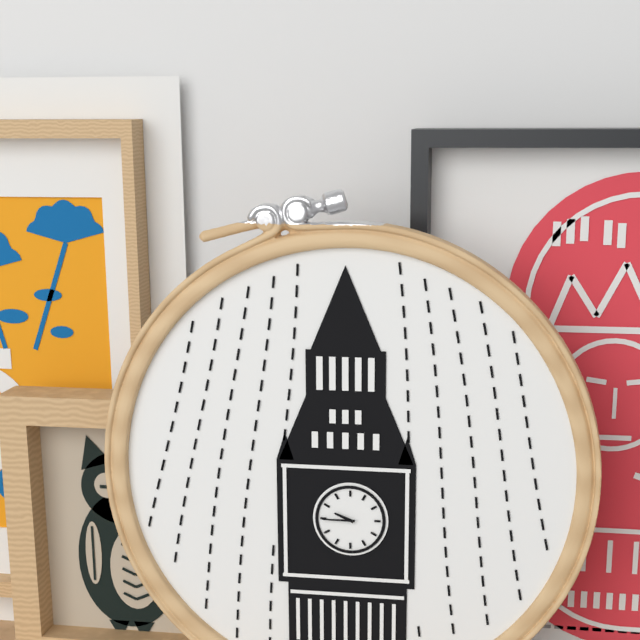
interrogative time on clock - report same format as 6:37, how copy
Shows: 9:45
